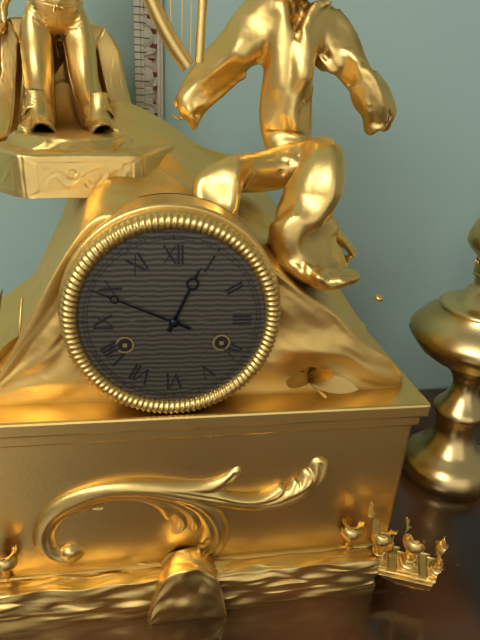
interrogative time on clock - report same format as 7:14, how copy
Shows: 12:49
